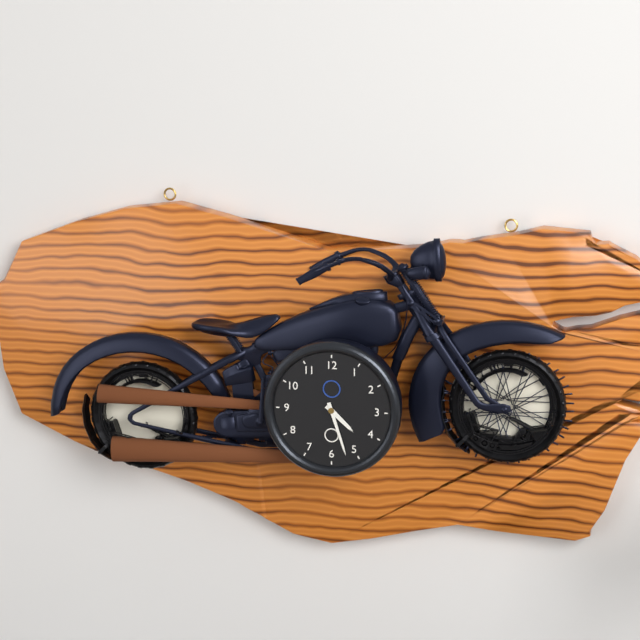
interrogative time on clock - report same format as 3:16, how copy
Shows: 4:27
